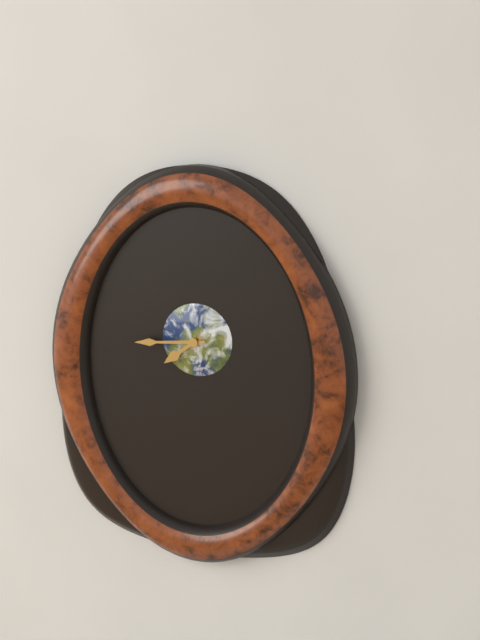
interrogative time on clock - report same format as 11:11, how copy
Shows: 7:44
